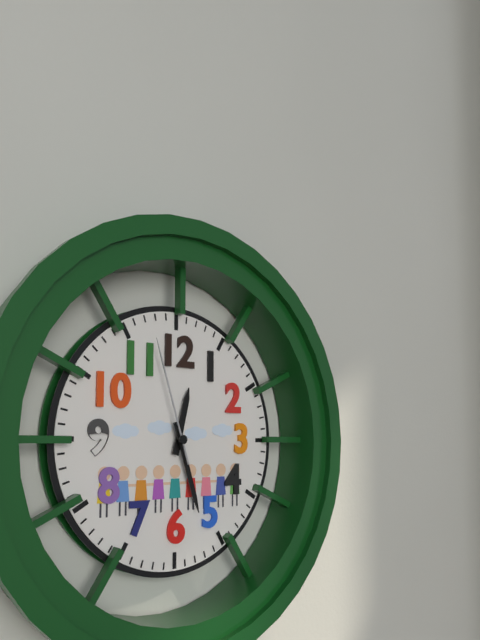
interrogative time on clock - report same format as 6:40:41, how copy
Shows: 12:27:57
